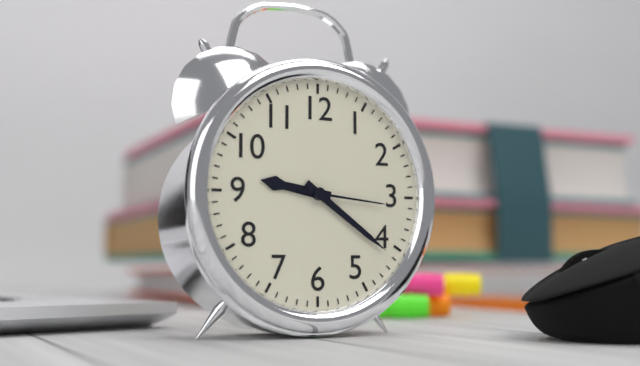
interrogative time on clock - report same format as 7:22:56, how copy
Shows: 9:21:16
